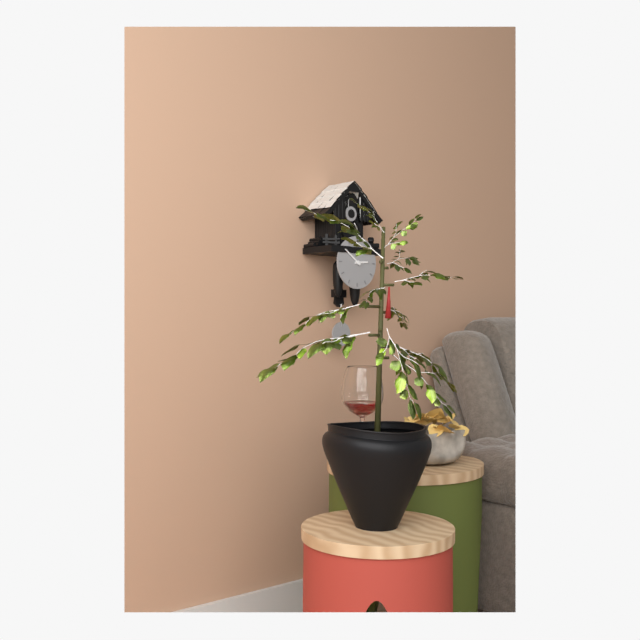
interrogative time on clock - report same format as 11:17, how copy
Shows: 2:51
